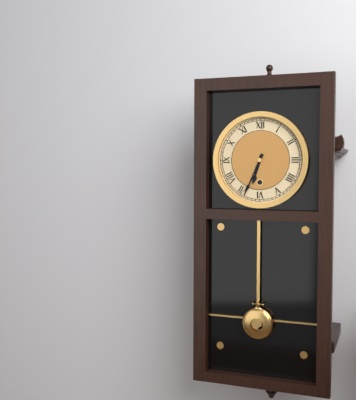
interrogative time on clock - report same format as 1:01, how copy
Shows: 6:34
